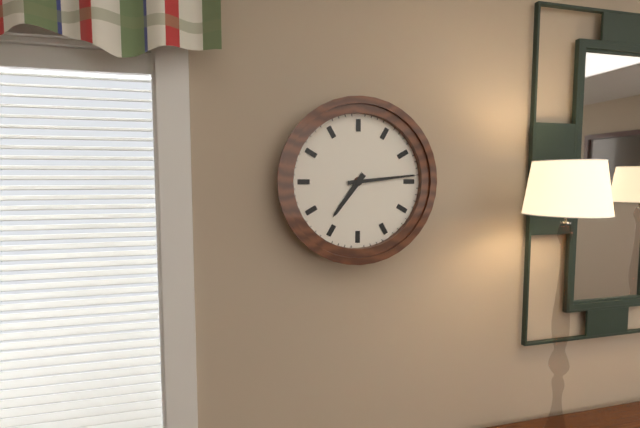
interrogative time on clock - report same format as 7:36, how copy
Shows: 7:14
